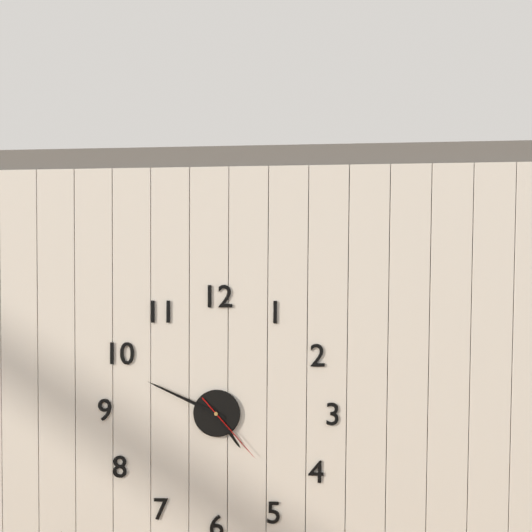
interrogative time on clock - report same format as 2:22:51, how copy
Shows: 4:49:23
